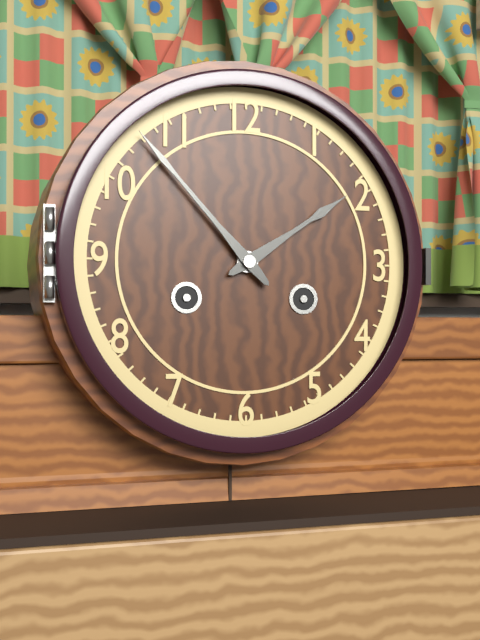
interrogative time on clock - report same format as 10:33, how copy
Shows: 1:53
